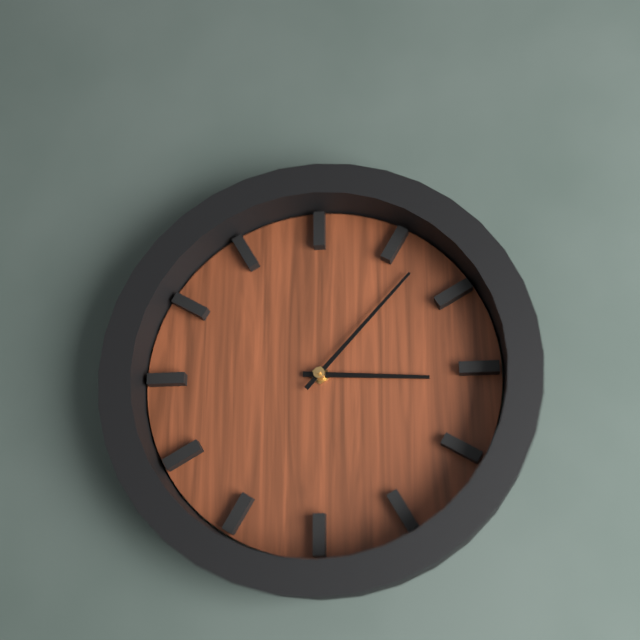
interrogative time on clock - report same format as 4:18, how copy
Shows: 3:07
